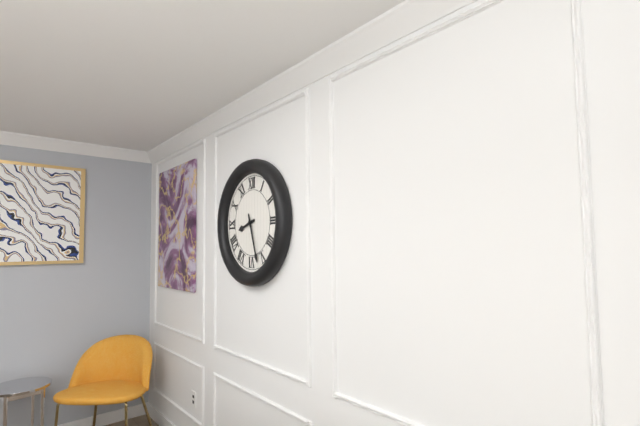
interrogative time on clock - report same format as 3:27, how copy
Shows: 8:27
